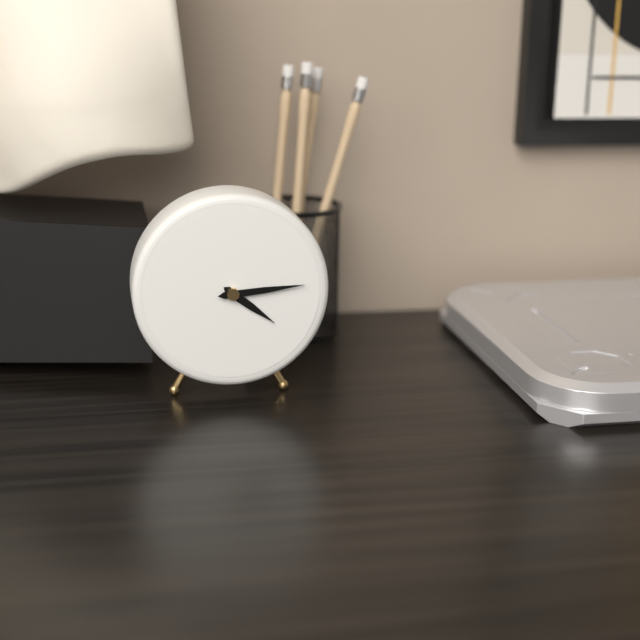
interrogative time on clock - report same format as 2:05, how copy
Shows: 4:14
